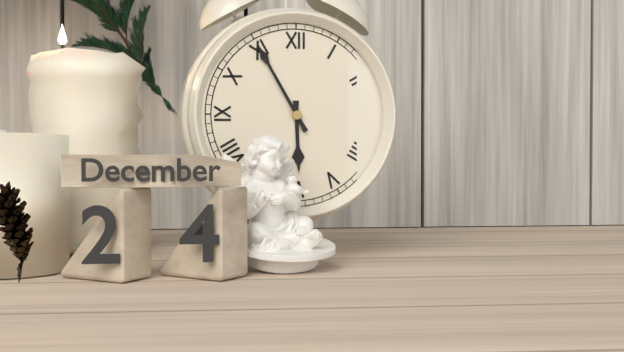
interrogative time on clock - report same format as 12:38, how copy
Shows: 5:55
